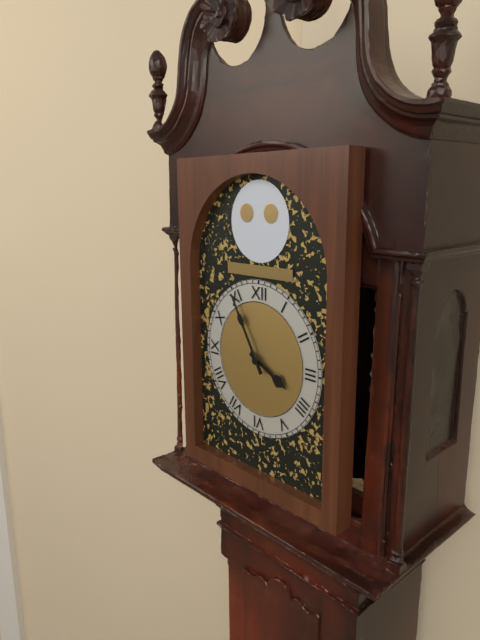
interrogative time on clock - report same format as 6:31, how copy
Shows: 3:55
